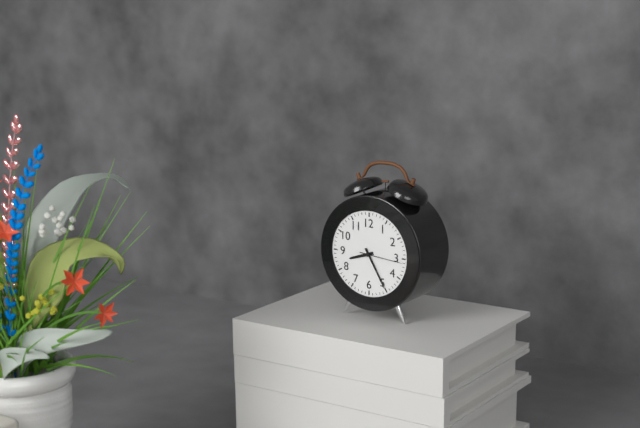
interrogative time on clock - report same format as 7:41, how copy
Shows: 8:25
